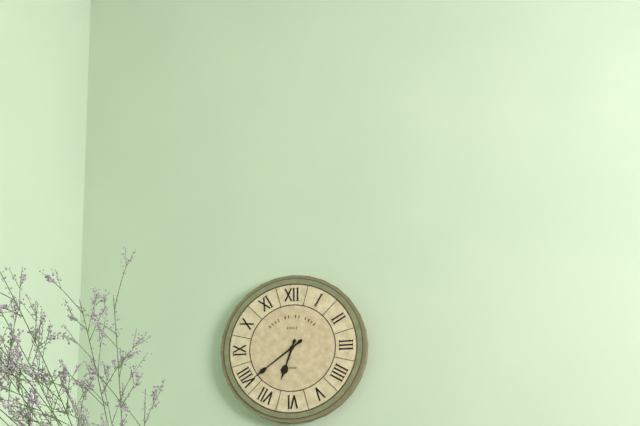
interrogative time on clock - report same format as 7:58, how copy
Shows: 6:39
